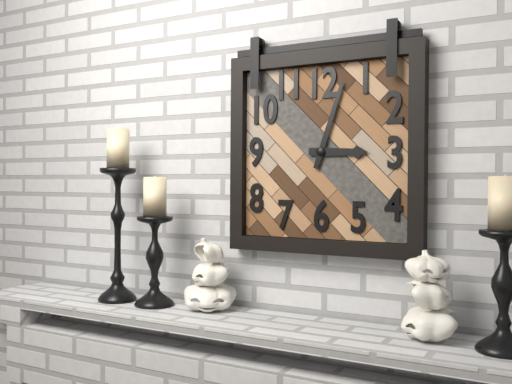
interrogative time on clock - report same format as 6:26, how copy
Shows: 3:03
